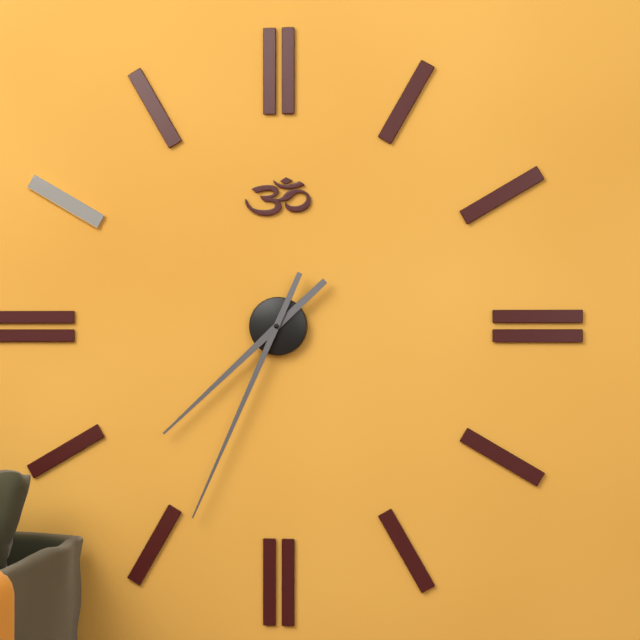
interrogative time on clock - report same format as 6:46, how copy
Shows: 7:34
